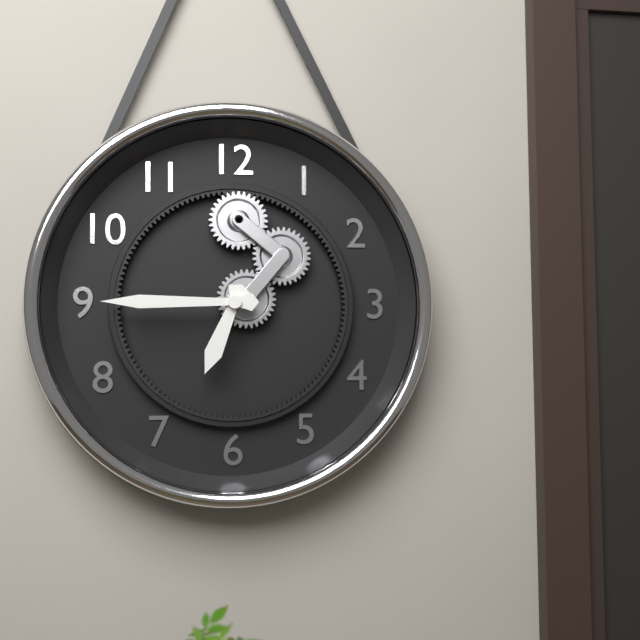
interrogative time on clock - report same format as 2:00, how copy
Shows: 6:45
